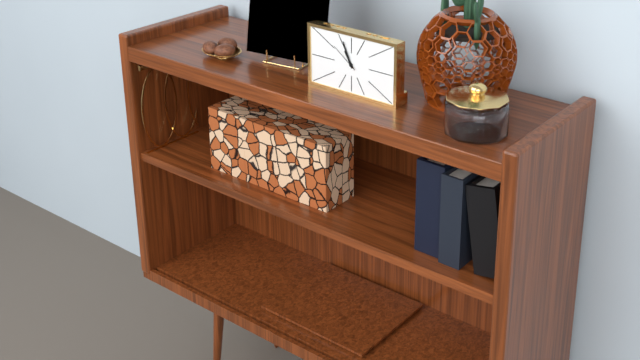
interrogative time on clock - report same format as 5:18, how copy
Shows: 10:56
